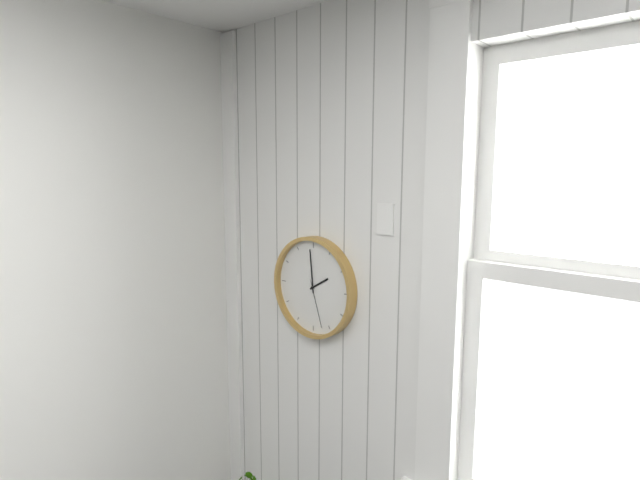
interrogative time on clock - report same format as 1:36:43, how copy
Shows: 1:59:27
